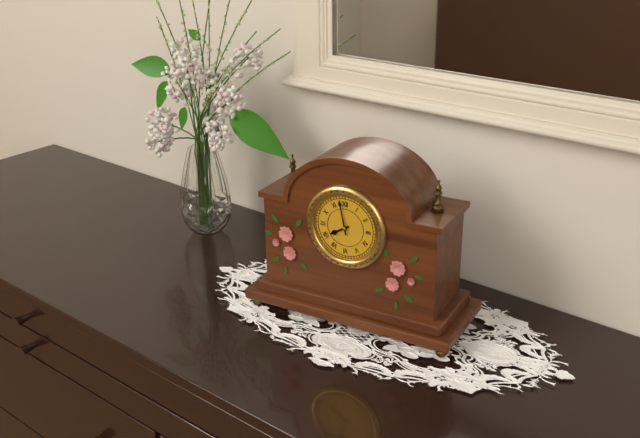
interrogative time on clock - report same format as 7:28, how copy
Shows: 7:58
